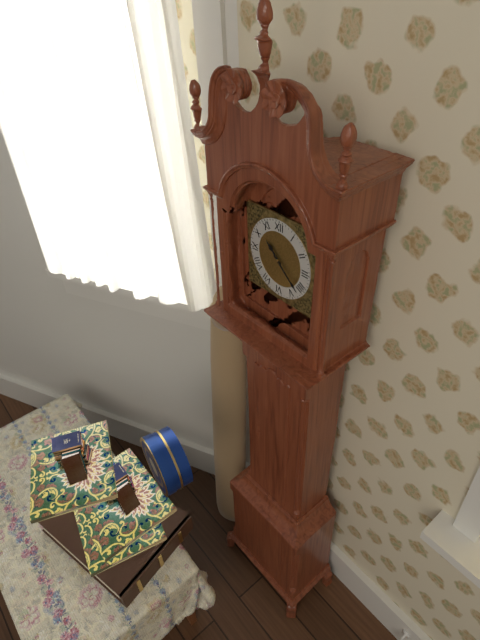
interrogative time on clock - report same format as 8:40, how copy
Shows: 10:22
